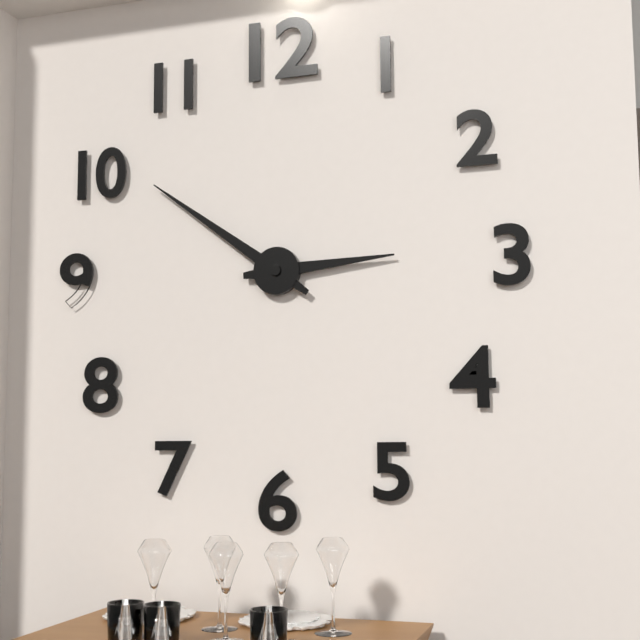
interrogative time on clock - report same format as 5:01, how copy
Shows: 2:51
